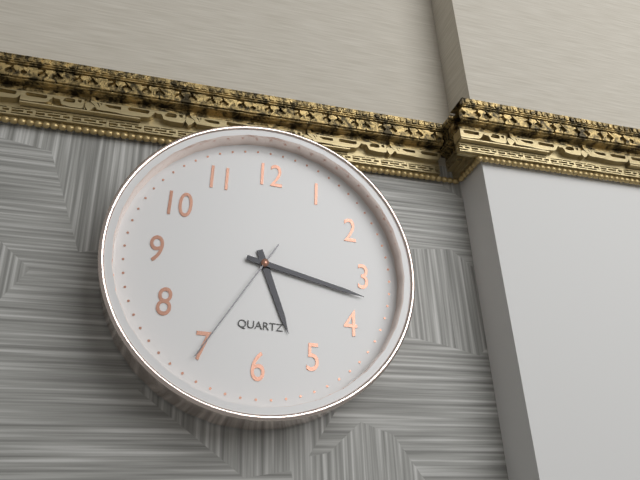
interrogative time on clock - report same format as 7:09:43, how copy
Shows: 5:17:35
